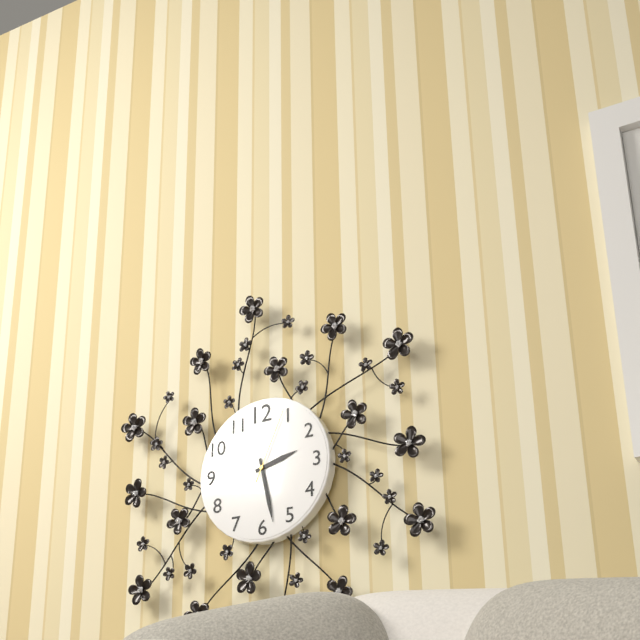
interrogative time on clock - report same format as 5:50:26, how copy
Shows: 2:28:04
